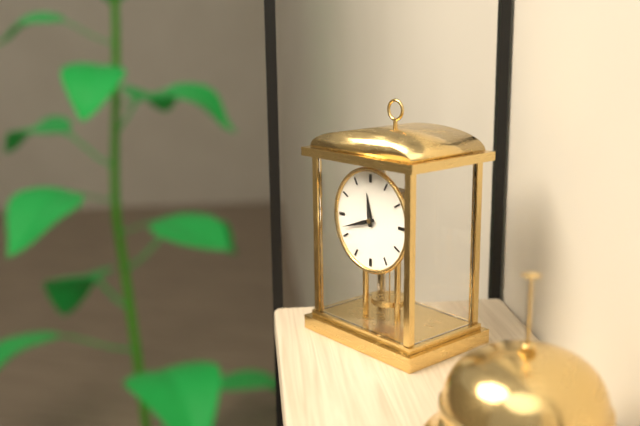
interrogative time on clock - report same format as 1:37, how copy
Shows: 11:42
